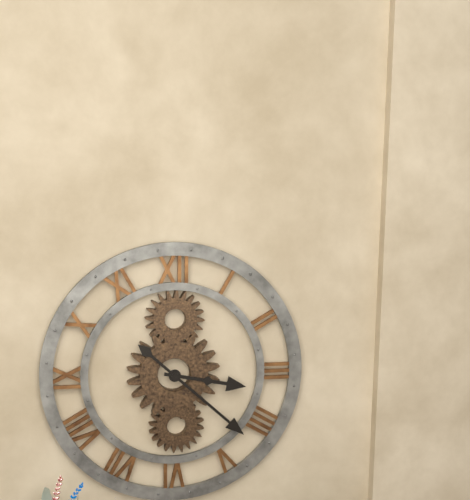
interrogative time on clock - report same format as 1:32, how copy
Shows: 3:22
